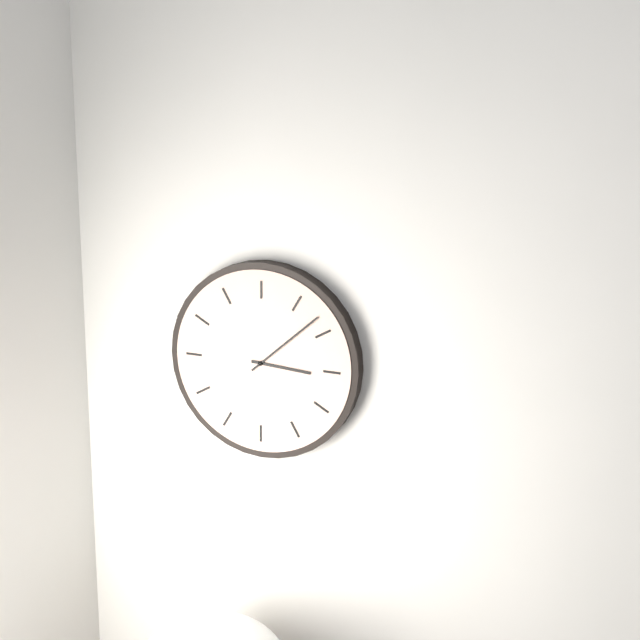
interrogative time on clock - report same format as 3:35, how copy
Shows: 3:08
